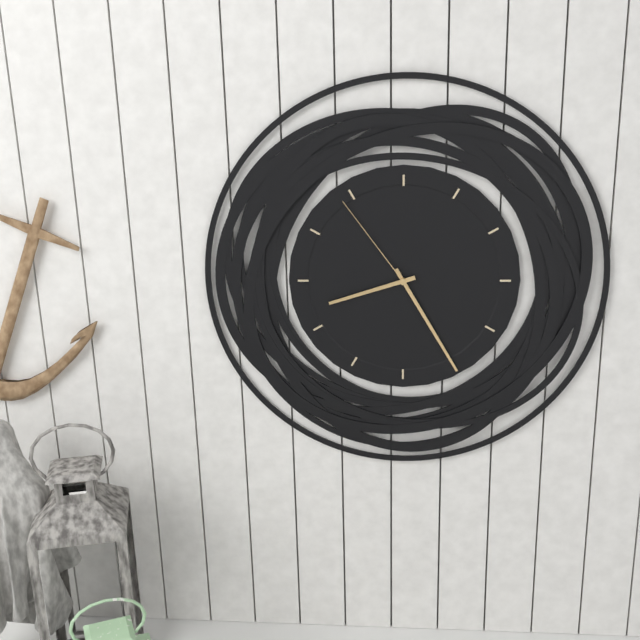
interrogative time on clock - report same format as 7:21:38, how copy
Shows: 8:25:54
